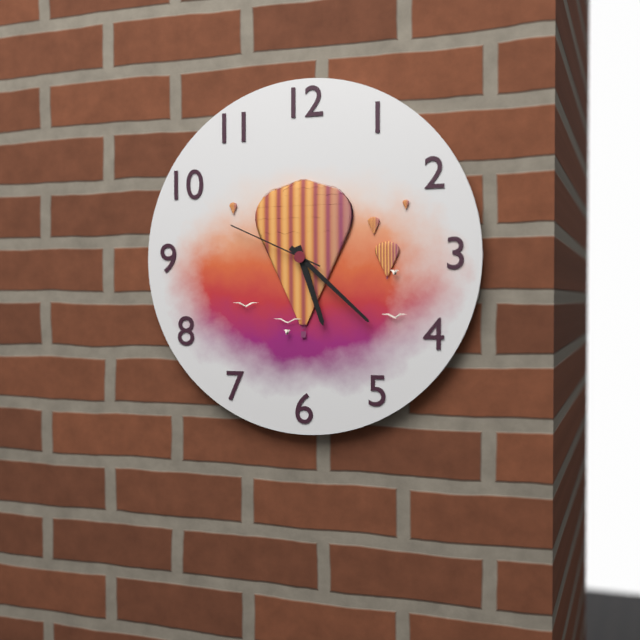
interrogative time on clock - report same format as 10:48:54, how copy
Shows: 5:22:49
